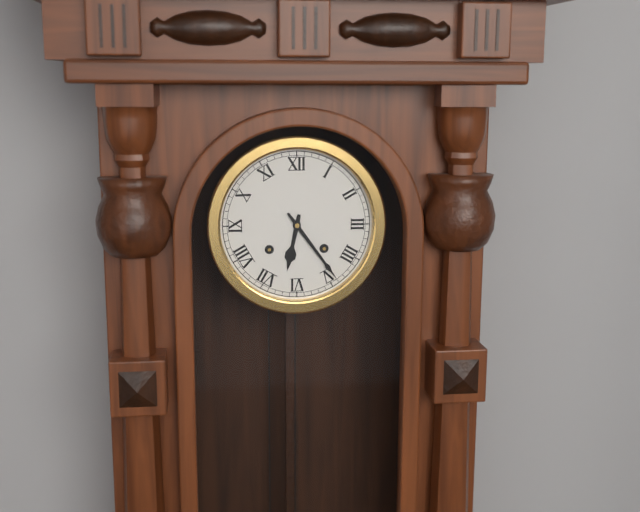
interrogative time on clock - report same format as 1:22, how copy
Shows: 6:24
